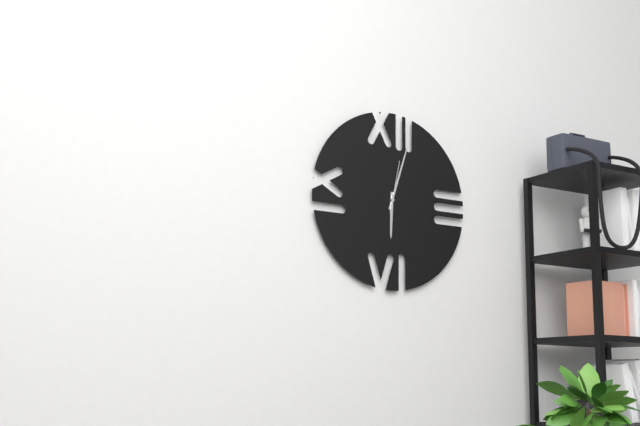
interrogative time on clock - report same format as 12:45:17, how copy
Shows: 6:03:02
